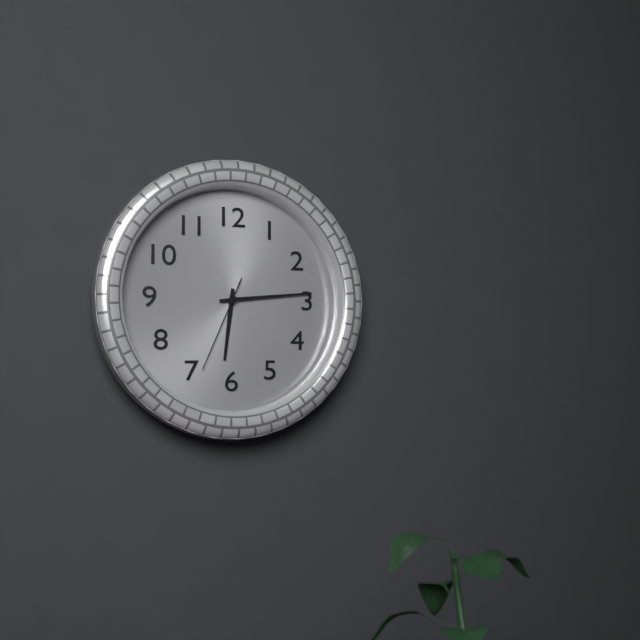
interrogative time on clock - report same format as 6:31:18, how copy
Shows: 6:14:34
